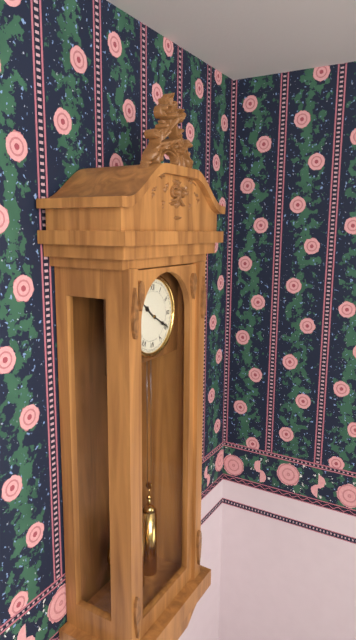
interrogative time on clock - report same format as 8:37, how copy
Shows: 10:20
